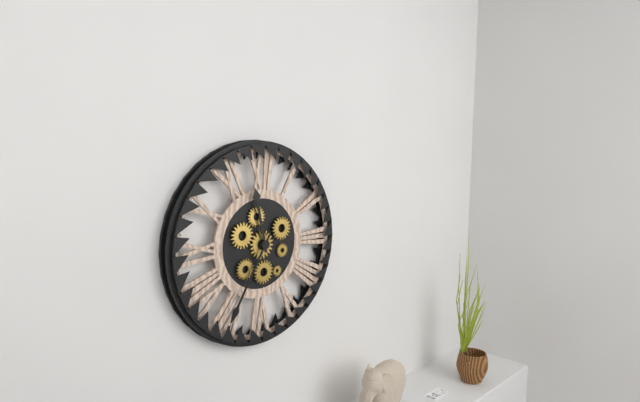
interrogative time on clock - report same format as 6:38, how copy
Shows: 11:35
